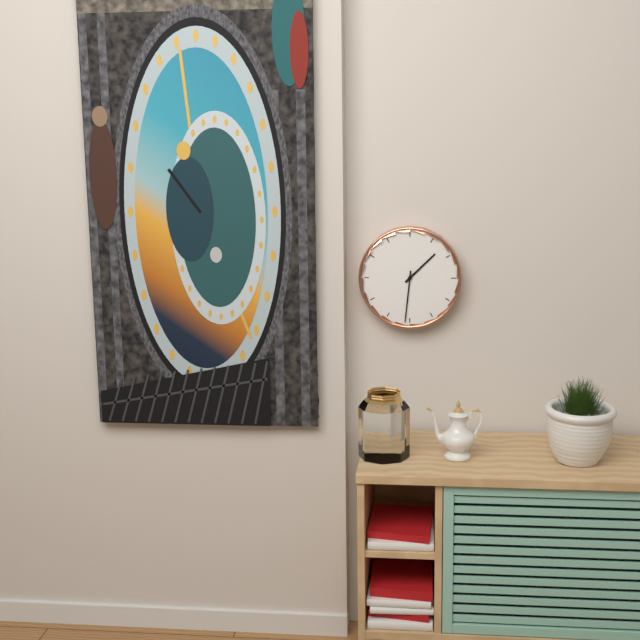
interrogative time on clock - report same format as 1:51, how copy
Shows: 1:31
